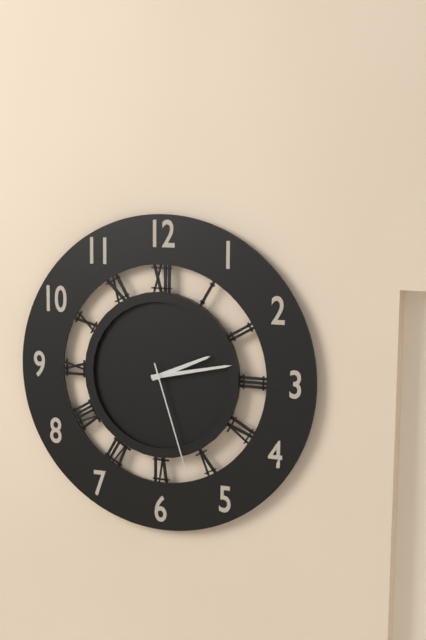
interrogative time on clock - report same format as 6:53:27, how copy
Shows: 2:13:27
